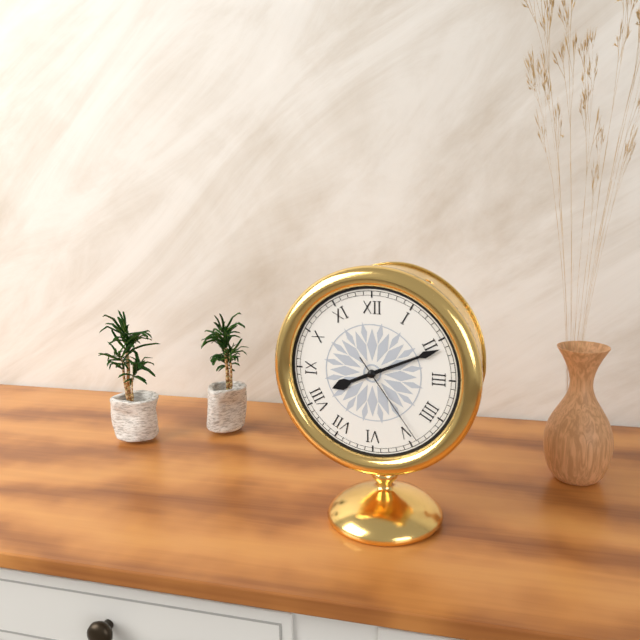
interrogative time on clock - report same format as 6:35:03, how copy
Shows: 8:11:24
